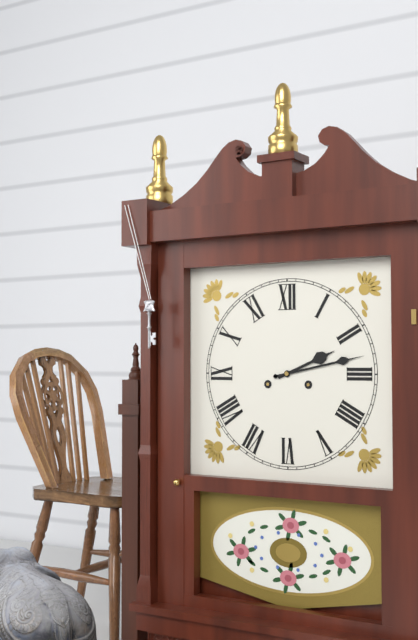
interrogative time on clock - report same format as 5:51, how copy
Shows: 2:13
